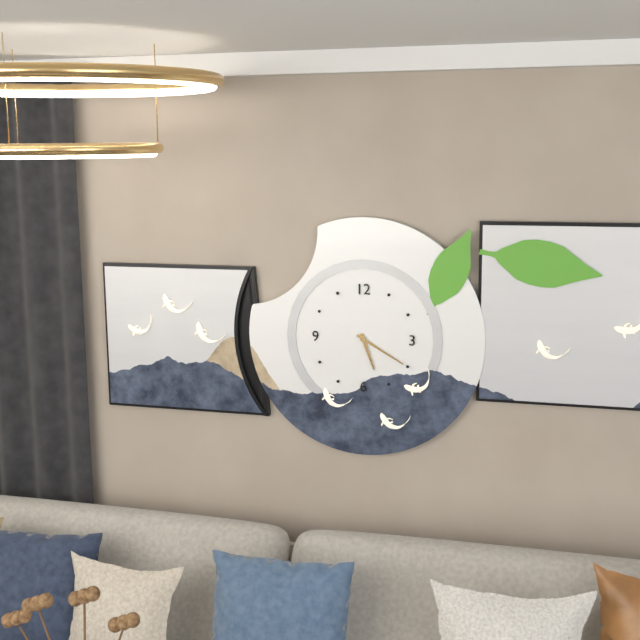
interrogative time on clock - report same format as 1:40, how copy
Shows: 5:20
